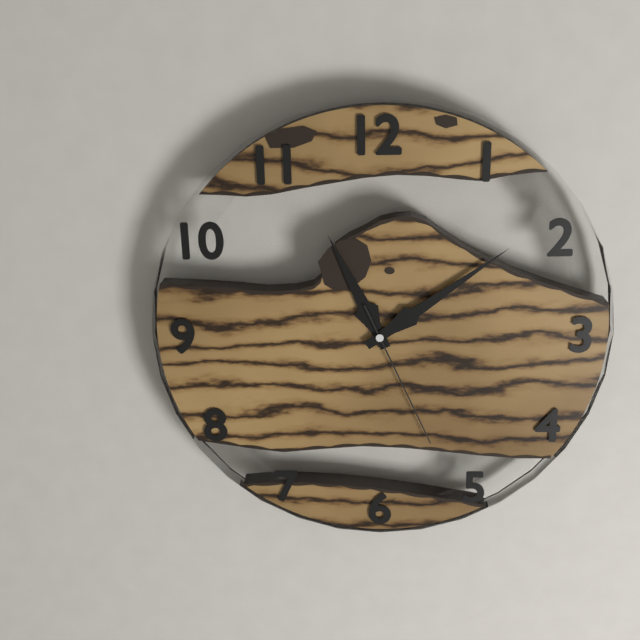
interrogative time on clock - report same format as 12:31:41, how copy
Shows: 11:09:26
